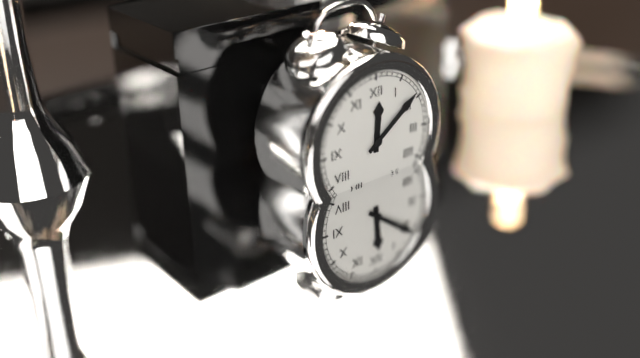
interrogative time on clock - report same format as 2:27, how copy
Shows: 12:09
